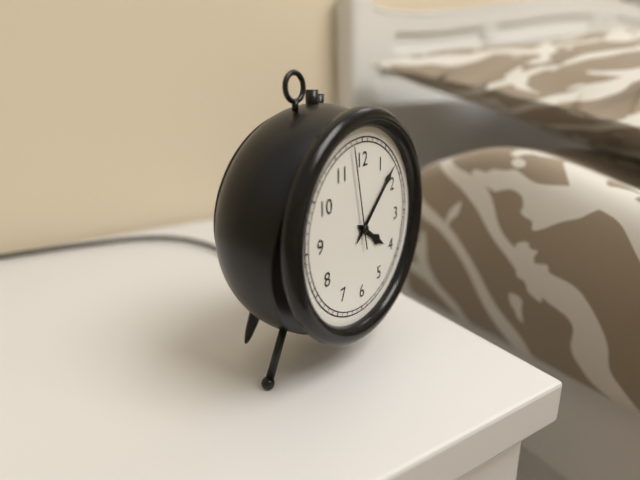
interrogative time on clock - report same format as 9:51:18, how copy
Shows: 4:08:58
